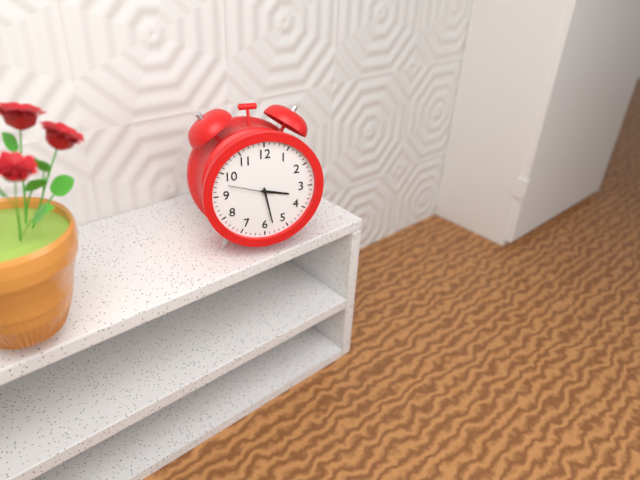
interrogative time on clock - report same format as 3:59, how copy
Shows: 3:28
